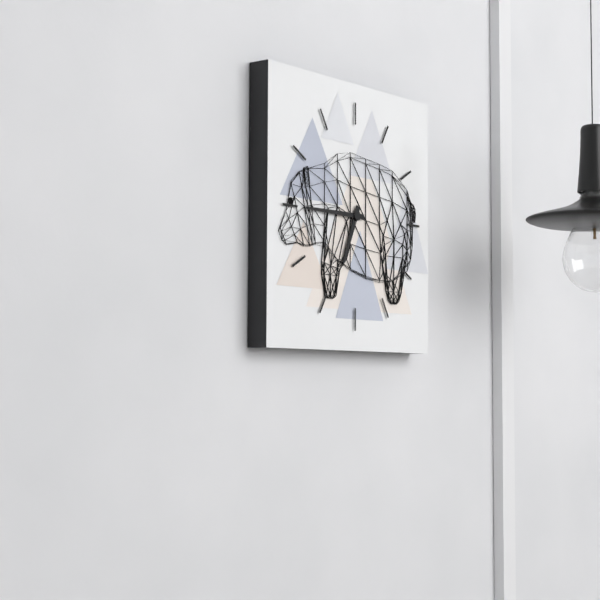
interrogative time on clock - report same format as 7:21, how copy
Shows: 6:45
